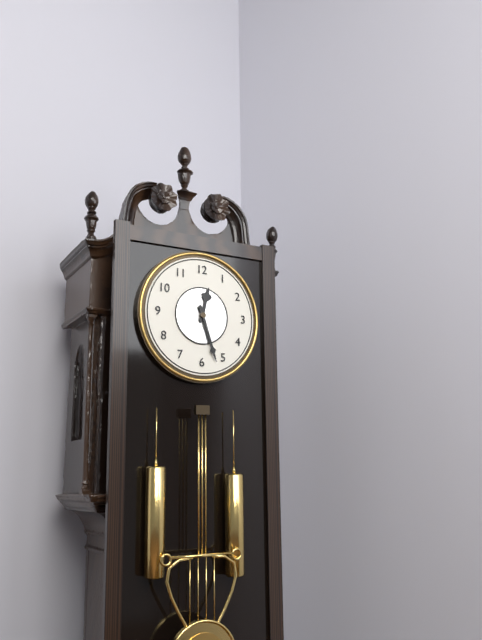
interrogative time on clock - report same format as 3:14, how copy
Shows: 12:27
